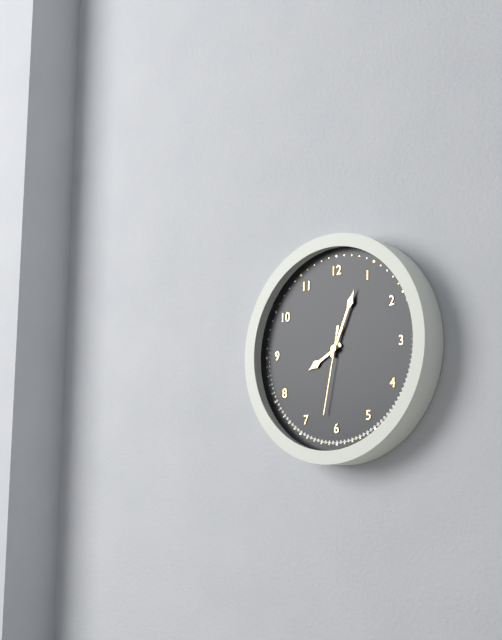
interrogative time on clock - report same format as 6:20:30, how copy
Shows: 8:04:32
